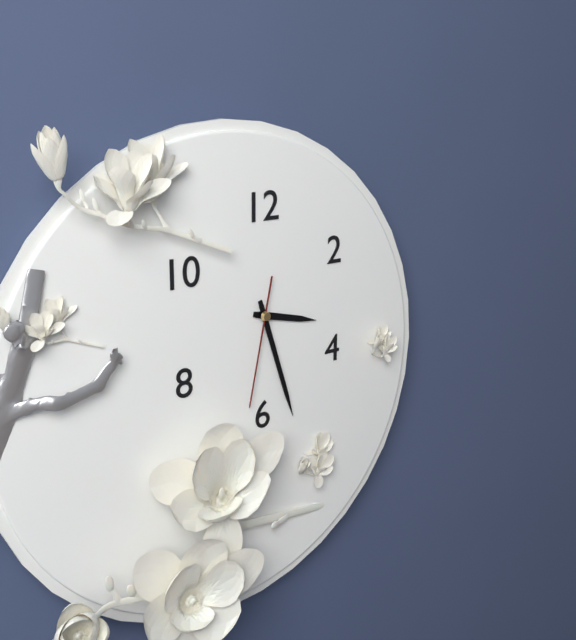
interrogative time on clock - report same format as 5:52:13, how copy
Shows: 3:27:32
